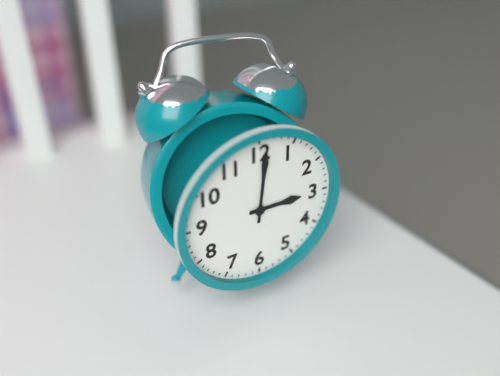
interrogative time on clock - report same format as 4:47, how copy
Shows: 3:01
